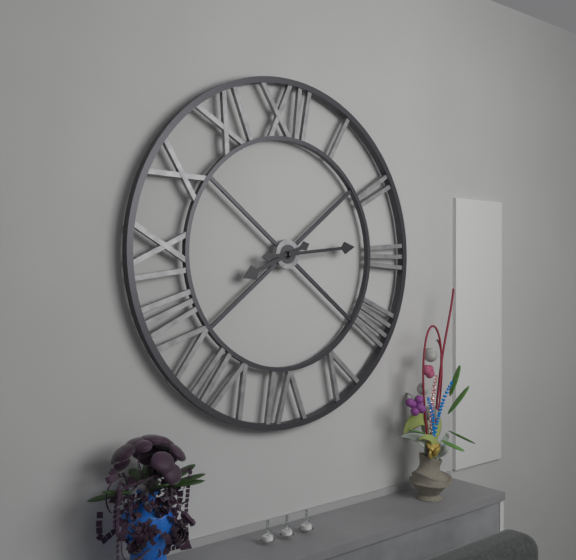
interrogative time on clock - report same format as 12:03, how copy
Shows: 8:14
